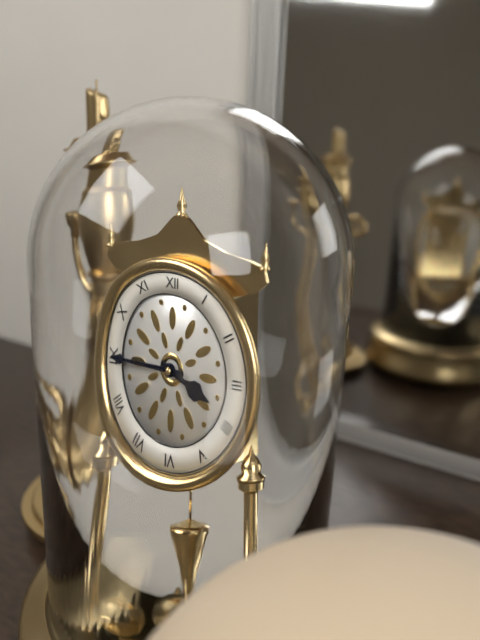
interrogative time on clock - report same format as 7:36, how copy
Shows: 3:45
